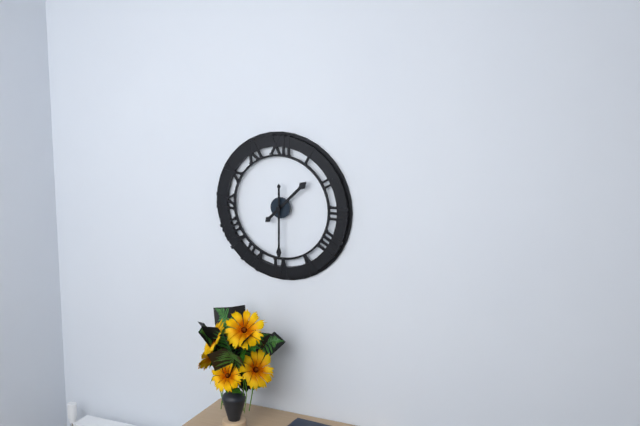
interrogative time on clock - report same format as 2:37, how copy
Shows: 1:30
